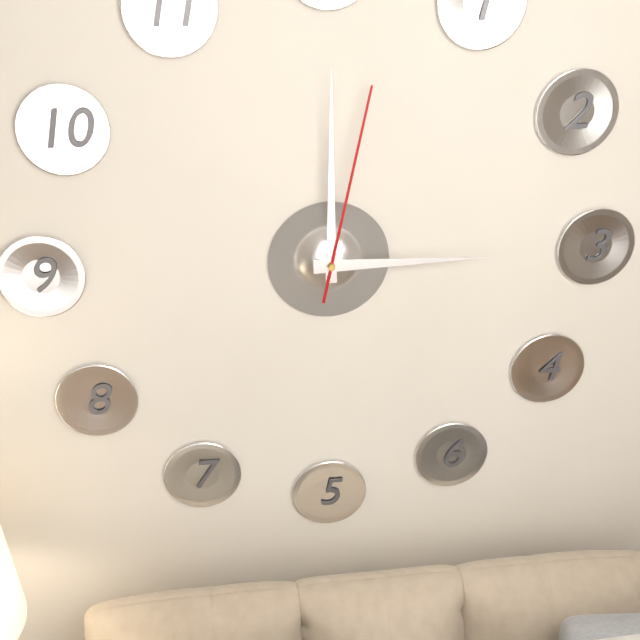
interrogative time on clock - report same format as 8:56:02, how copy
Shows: 3:00:02
